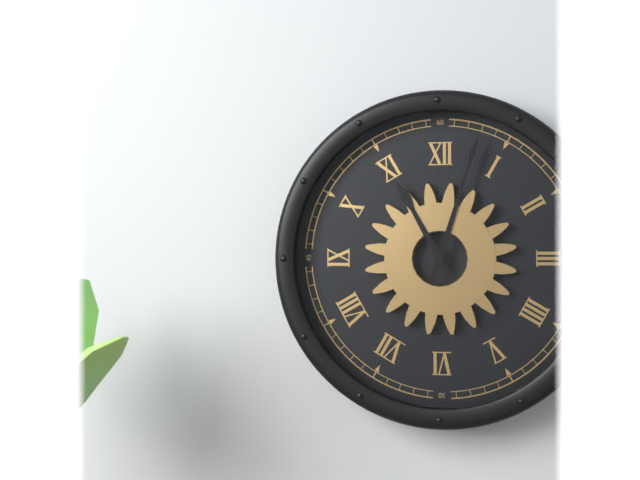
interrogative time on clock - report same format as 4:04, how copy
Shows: 11:03
